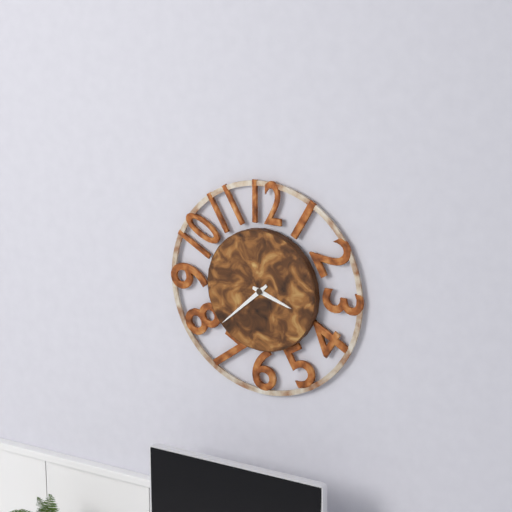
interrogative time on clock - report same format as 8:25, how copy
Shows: 3:38
